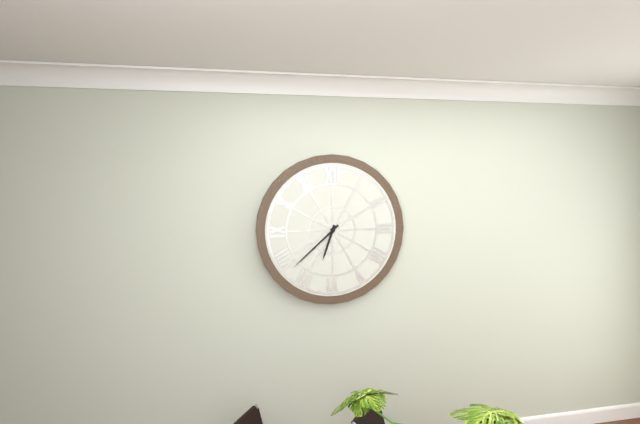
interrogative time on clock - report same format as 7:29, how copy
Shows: 6:38
